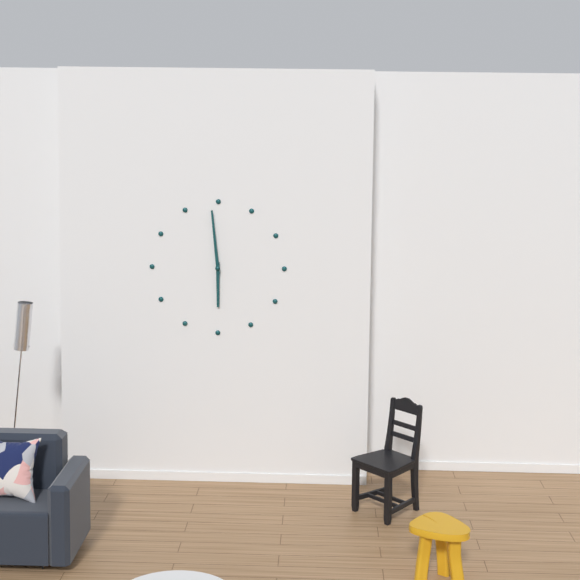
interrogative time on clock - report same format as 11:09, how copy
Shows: 5:59
